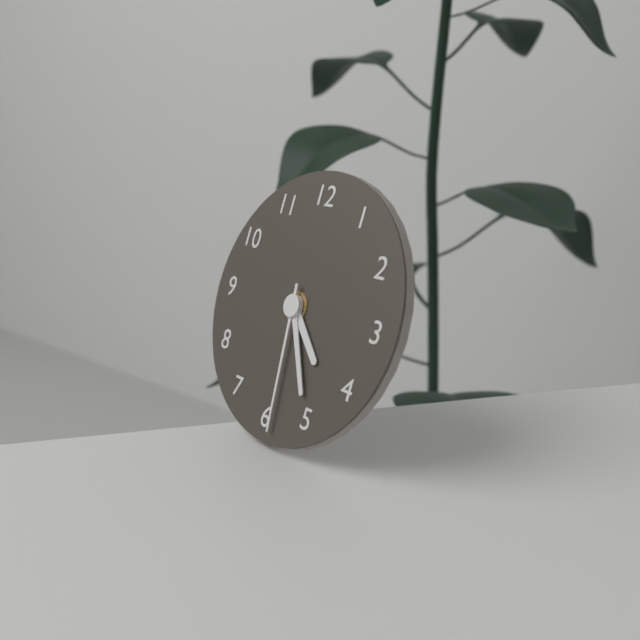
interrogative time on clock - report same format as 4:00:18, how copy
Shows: 4:25:29
